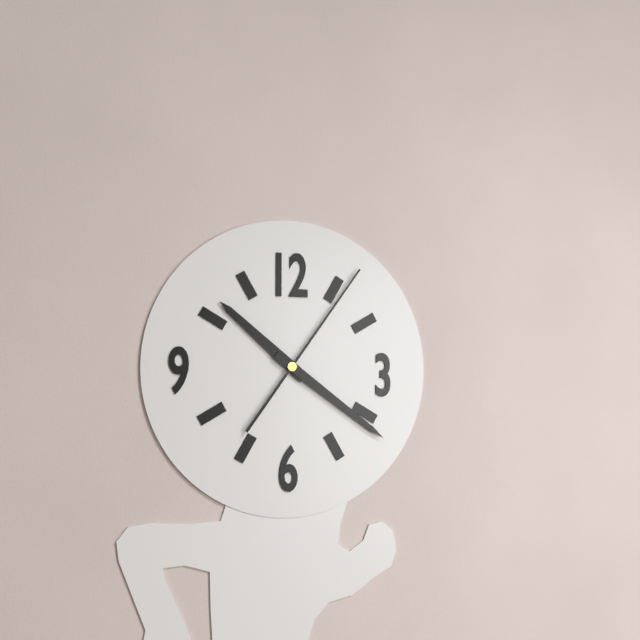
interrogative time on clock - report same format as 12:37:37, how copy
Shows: 10:21:06
